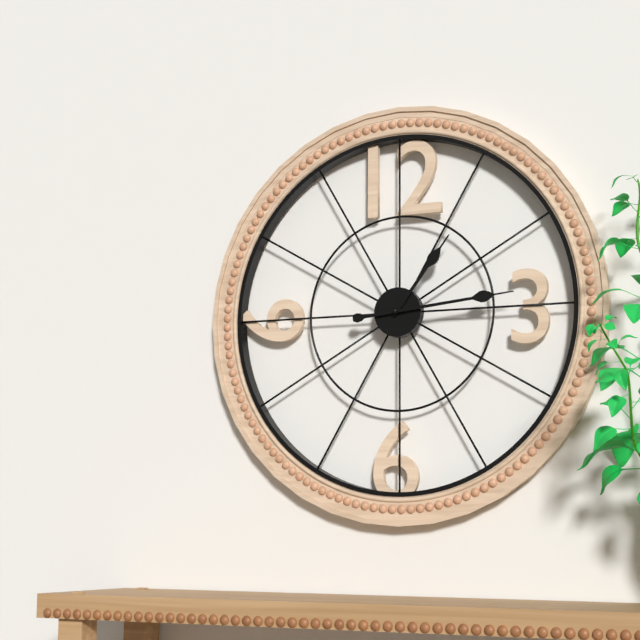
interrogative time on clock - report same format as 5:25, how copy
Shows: 1:14
